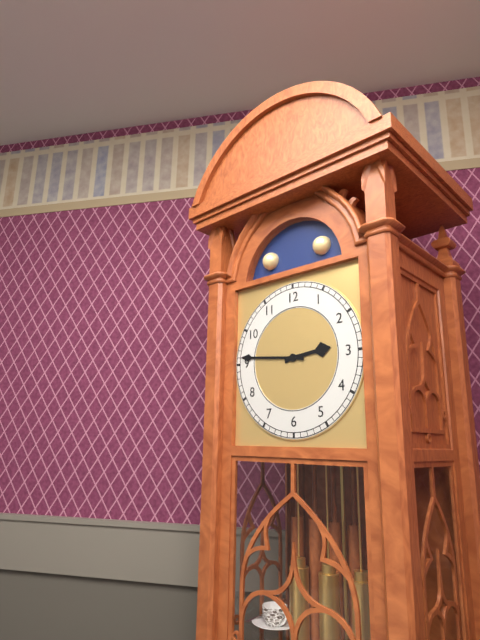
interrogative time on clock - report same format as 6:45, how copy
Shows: 2:46
